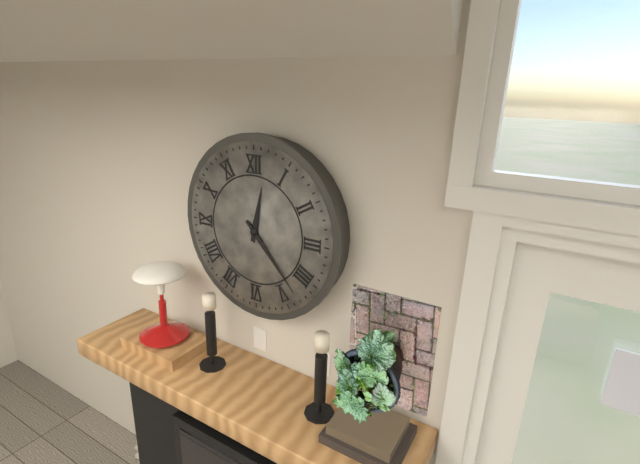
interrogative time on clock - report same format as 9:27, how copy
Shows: 12:23
